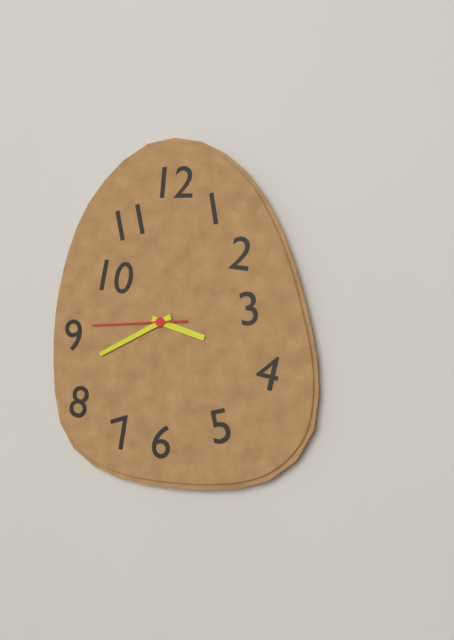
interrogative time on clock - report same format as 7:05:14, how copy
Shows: 3:41:45
